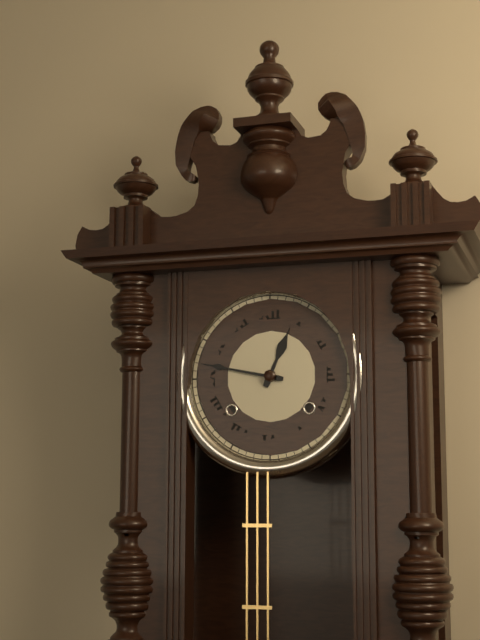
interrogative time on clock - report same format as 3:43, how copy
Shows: 12:47
